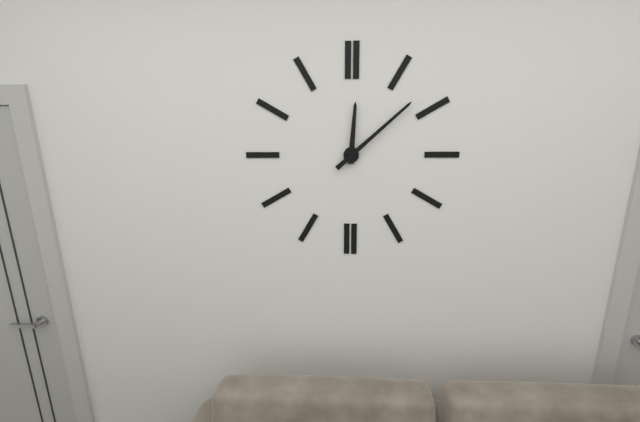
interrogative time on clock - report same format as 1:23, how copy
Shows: 12:08
